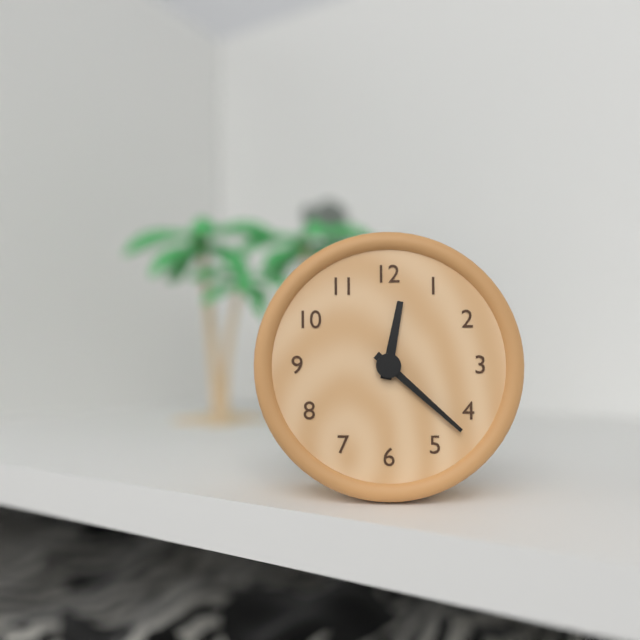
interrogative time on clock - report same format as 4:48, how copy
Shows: 12:22
